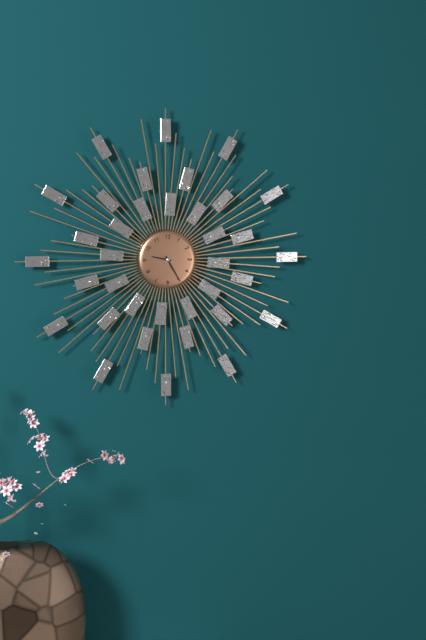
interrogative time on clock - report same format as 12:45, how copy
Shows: 9:25
